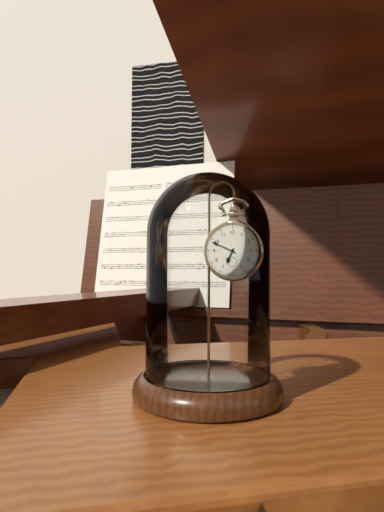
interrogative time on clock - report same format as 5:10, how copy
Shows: 6:49
